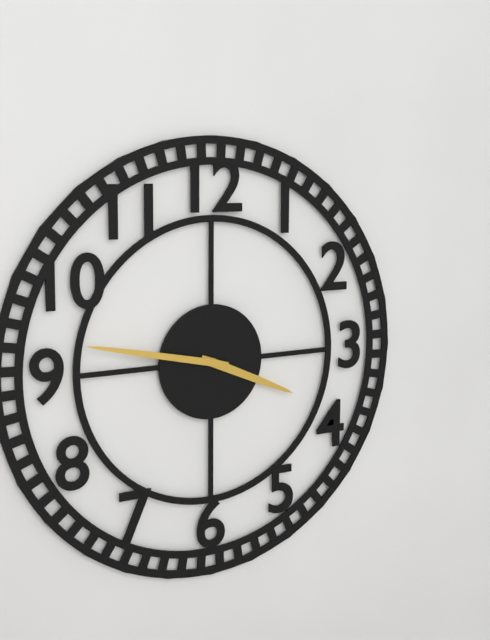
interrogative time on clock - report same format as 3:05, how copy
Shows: 3:47
